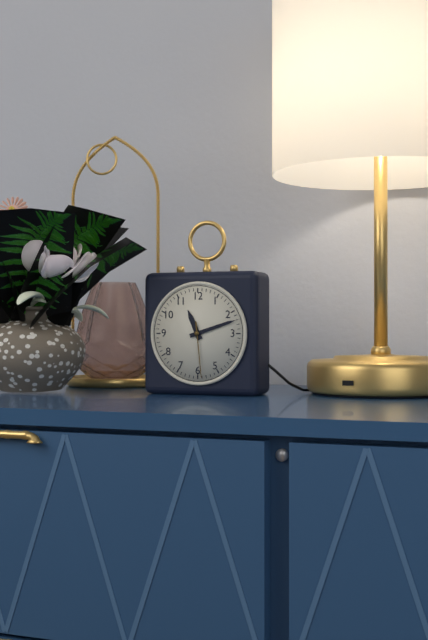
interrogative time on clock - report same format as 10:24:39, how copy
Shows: 11:12:29
